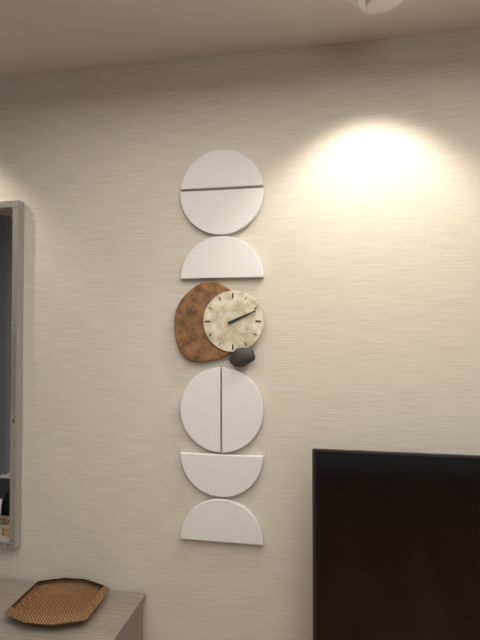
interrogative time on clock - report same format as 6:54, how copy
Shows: 2:11
